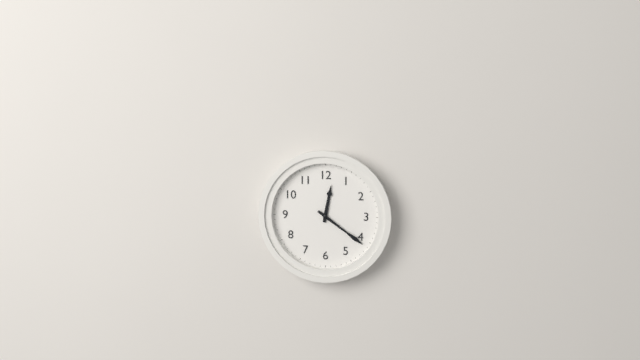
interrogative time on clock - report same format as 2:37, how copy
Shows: 12:21
